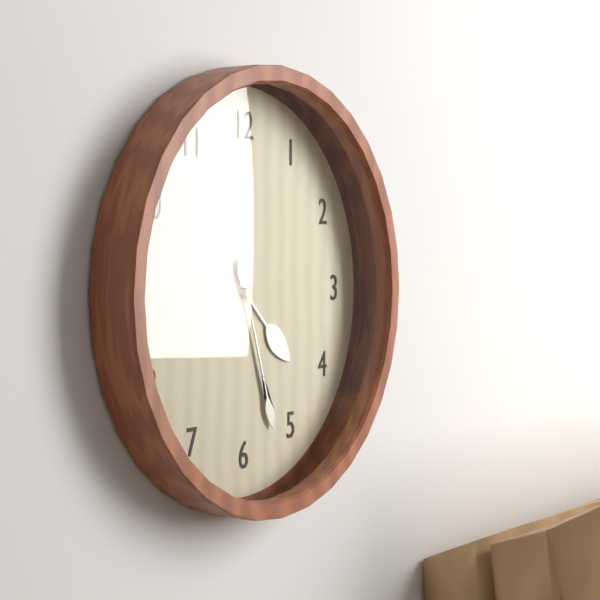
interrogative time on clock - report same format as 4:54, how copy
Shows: 4:27
